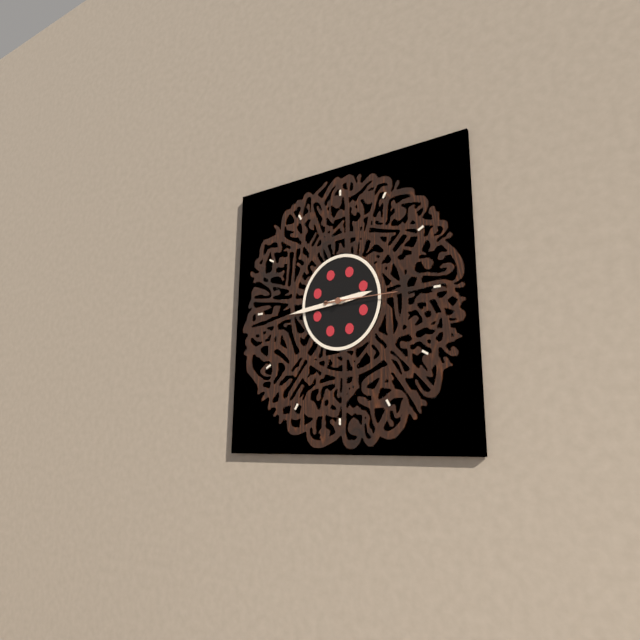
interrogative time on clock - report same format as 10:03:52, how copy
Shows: 2:44:15
